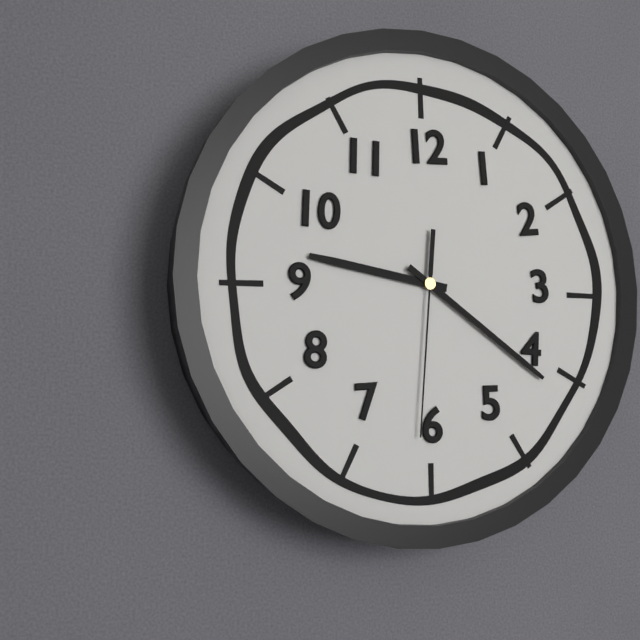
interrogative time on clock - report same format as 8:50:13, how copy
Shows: 9:21:31
